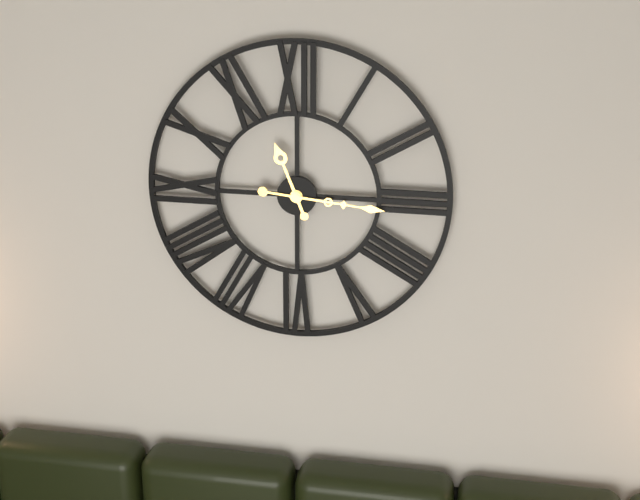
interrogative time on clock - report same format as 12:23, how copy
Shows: 11:16
